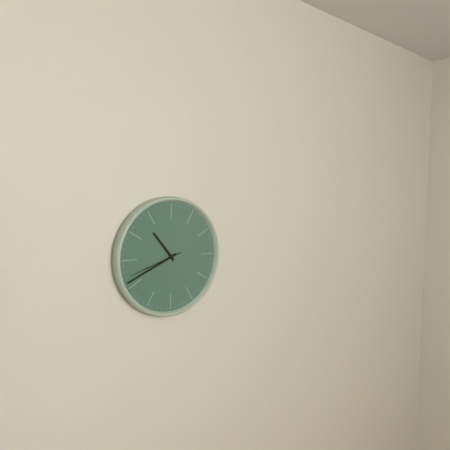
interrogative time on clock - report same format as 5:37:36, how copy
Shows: 10:41:42
